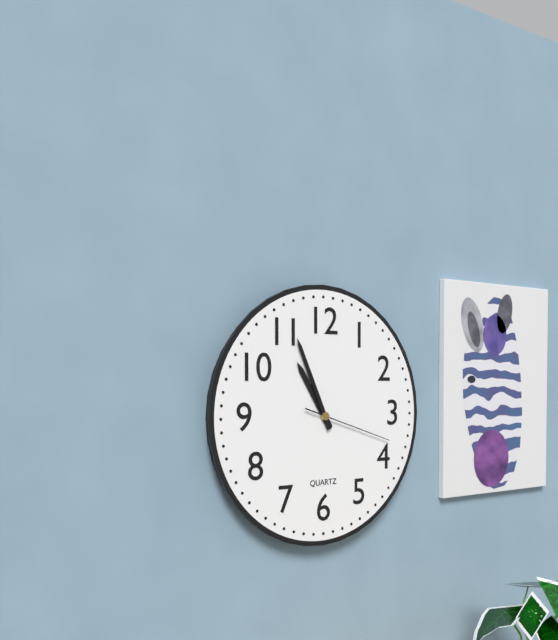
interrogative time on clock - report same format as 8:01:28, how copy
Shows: 10:56:18
